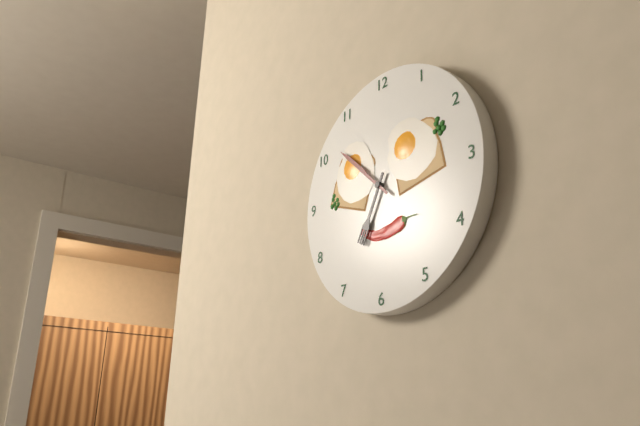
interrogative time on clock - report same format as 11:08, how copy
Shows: 6:52
